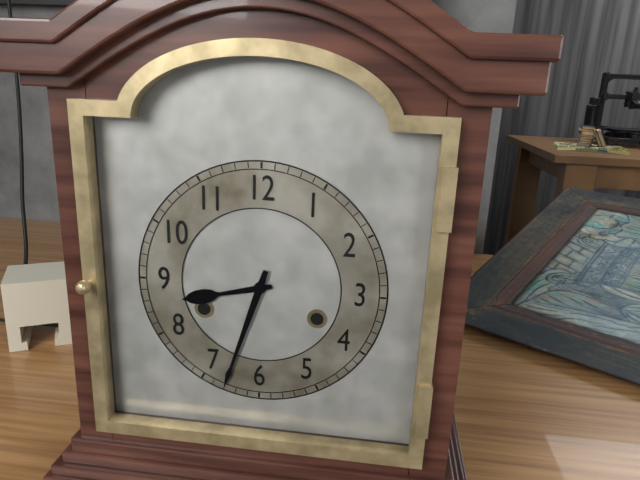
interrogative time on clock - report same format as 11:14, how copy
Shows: 8:33
